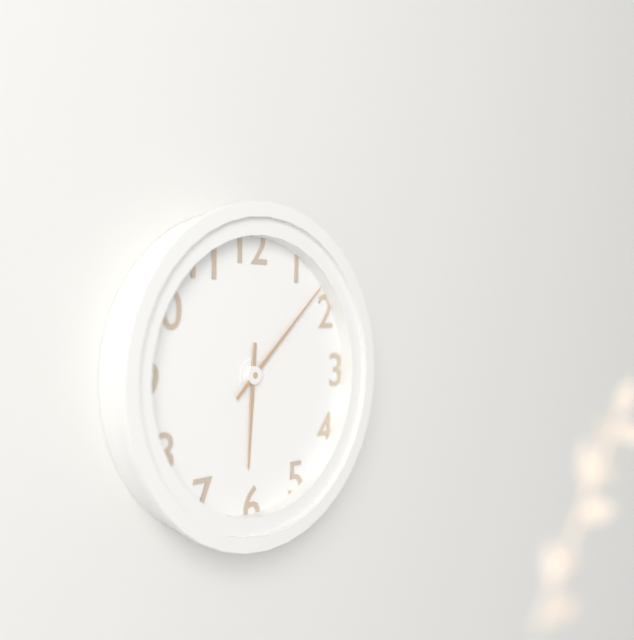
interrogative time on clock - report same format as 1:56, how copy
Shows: 6:08
